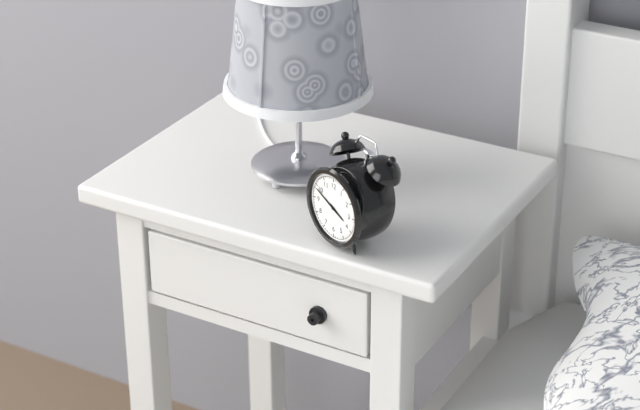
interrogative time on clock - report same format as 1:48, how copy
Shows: 3:49
